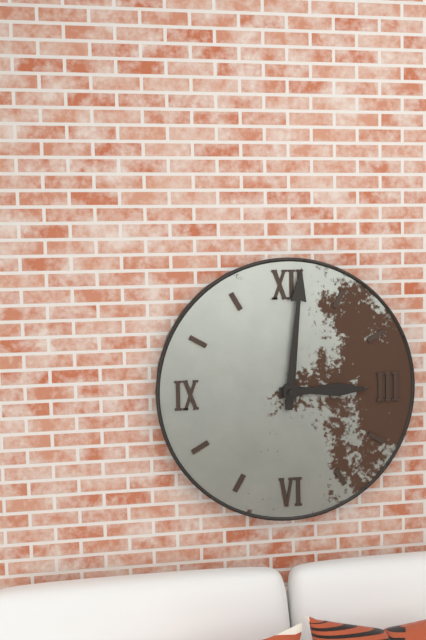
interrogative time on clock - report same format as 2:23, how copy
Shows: 3:01
